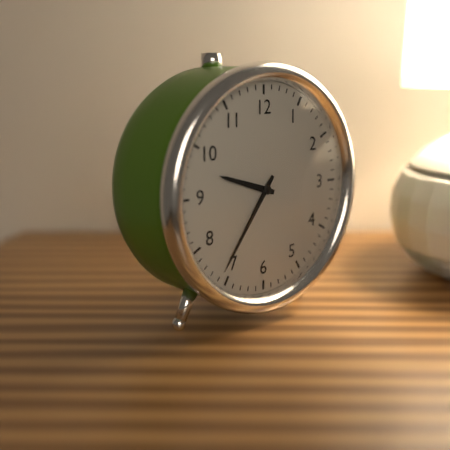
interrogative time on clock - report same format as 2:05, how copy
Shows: 9:36
